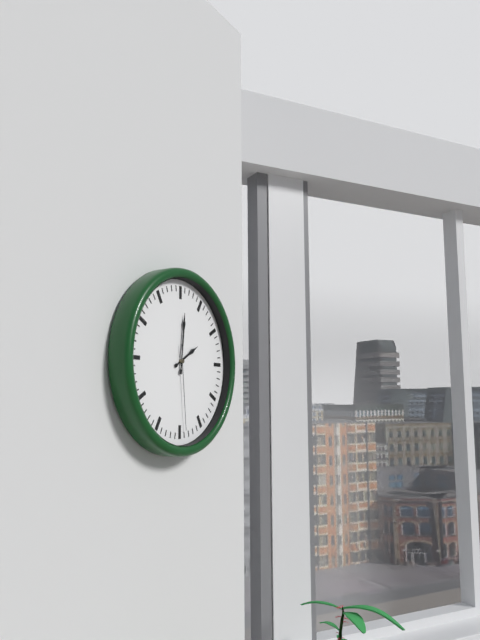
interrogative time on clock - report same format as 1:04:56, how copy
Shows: 2:01:29
